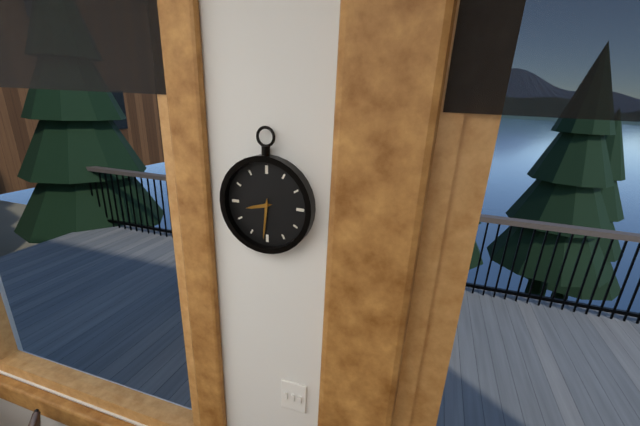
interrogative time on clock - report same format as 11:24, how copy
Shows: 8:31
